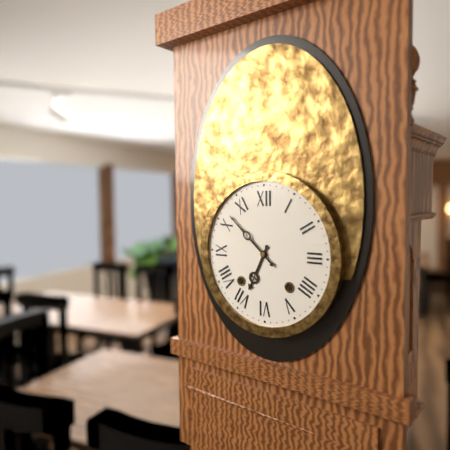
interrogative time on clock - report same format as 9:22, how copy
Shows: 6:52
